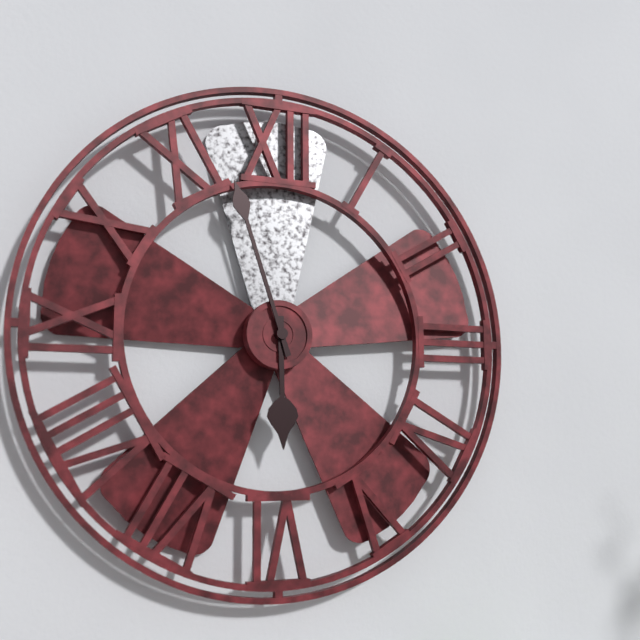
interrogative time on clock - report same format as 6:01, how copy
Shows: 5:57
